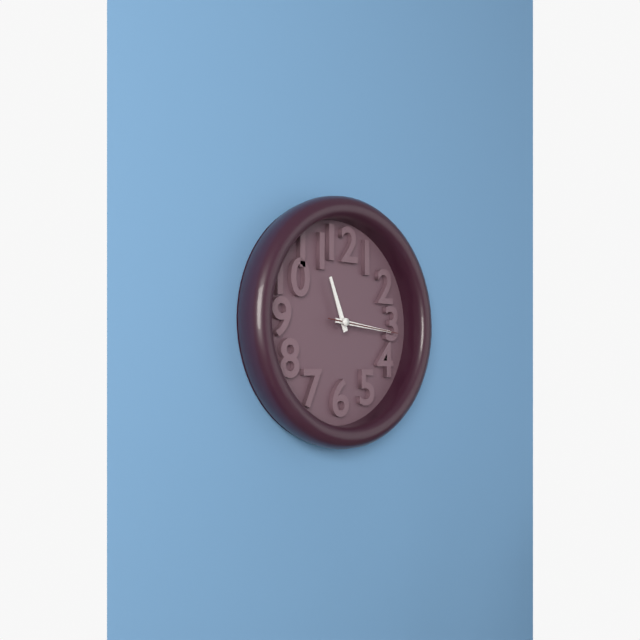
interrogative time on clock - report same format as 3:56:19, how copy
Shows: 11:16:16
